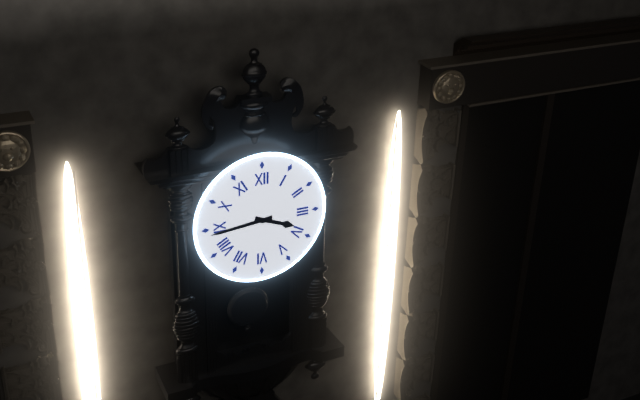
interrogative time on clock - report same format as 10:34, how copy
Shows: 3:44
